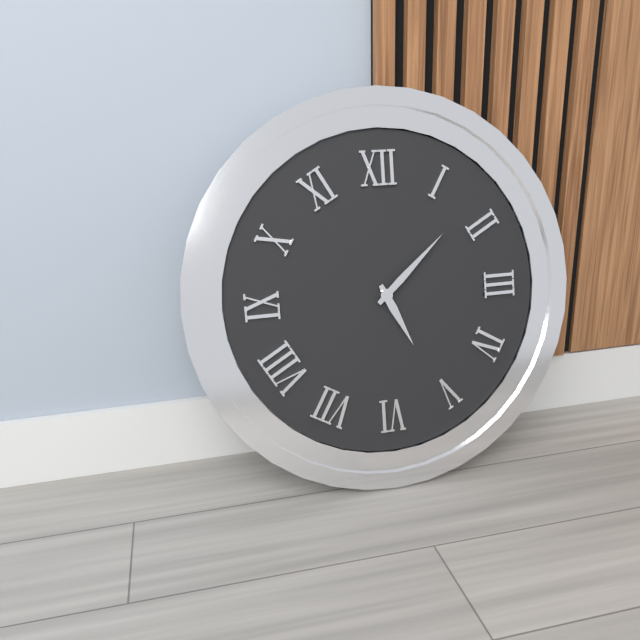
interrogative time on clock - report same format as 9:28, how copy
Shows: 5:08
